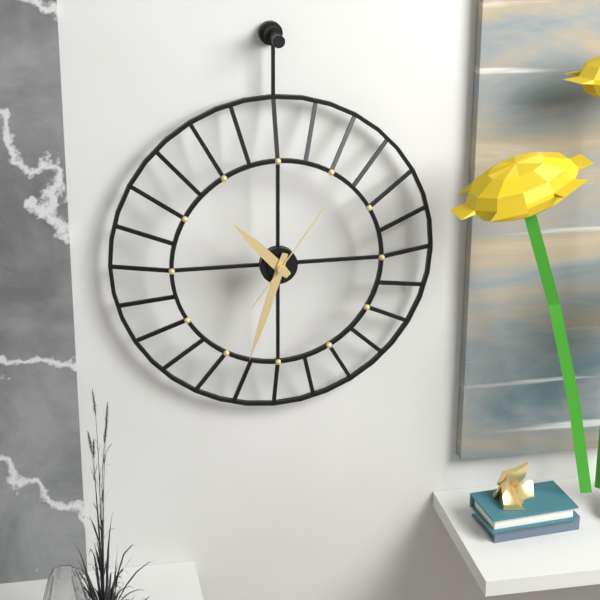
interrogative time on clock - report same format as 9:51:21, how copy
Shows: 10:33:06
